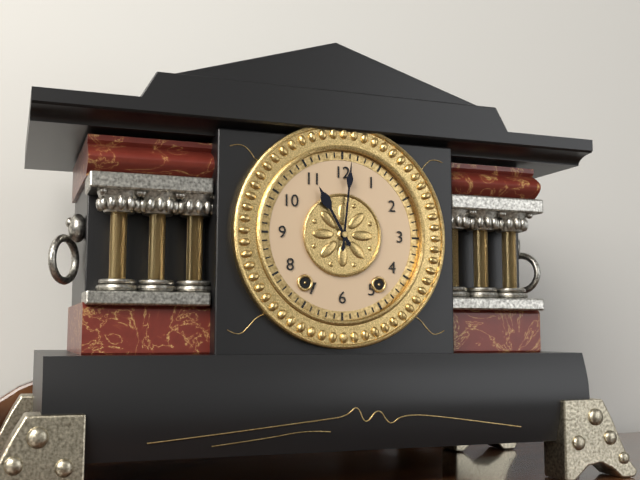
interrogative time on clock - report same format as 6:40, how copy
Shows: 11:01
